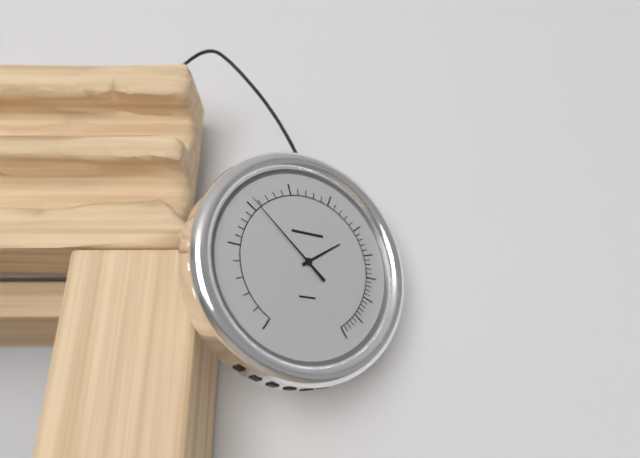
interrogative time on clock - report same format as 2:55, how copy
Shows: 1:52
